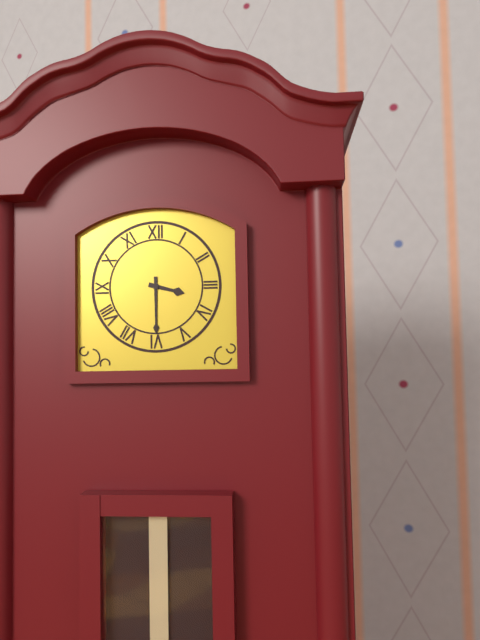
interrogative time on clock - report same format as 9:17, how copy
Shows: 3:30
